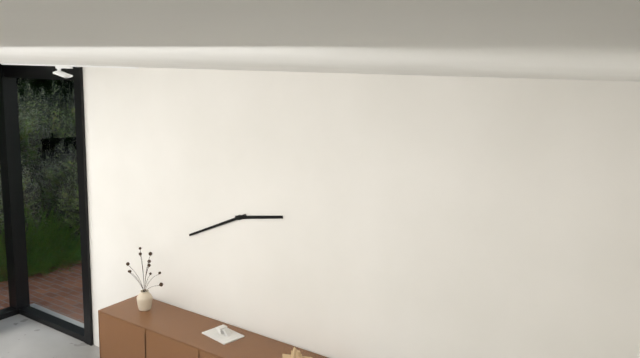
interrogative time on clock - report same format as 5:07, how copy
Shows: 2:41
